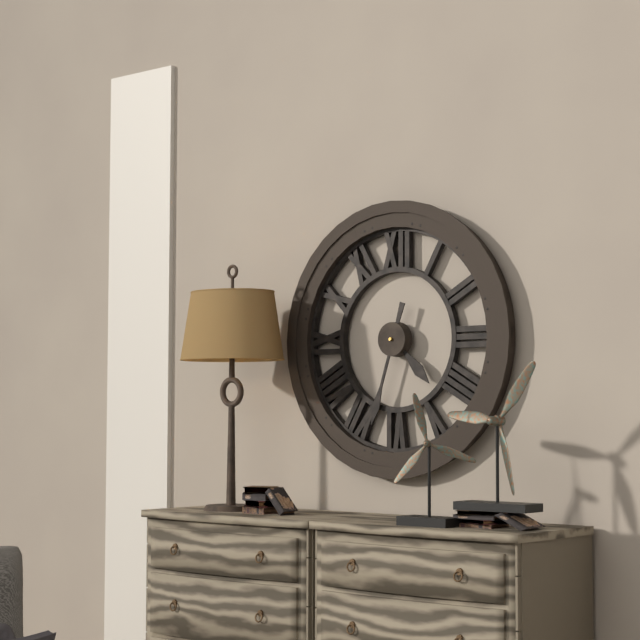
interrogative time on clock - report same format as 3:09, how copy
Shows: 4:33
